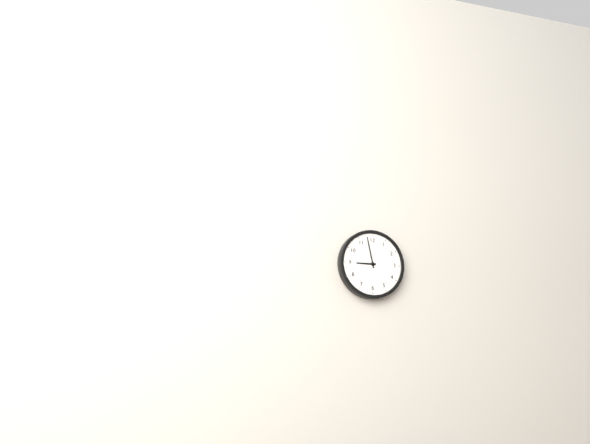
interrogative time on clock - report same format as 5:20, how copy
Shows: 8:58
